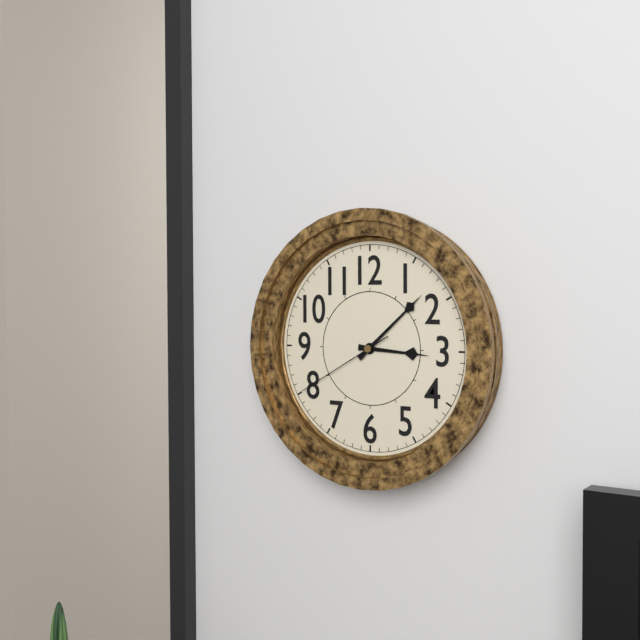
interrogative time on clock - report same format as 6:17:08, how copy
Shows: 3:08:40
